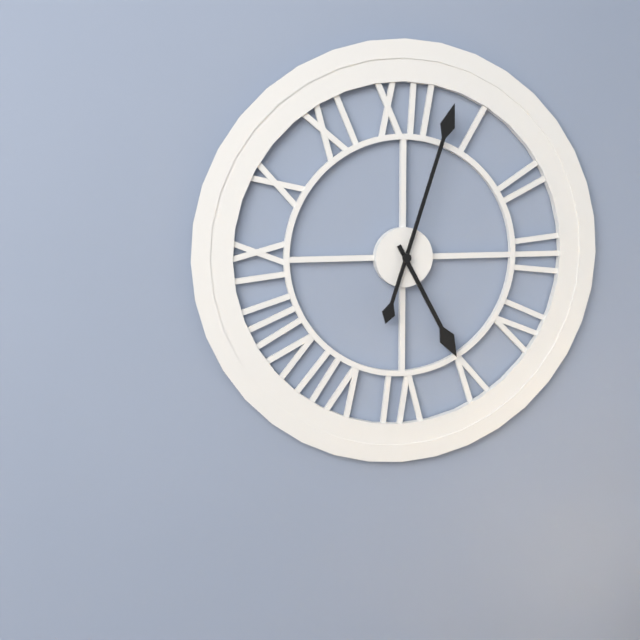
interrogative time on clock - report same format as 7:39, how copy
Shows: 5:03
